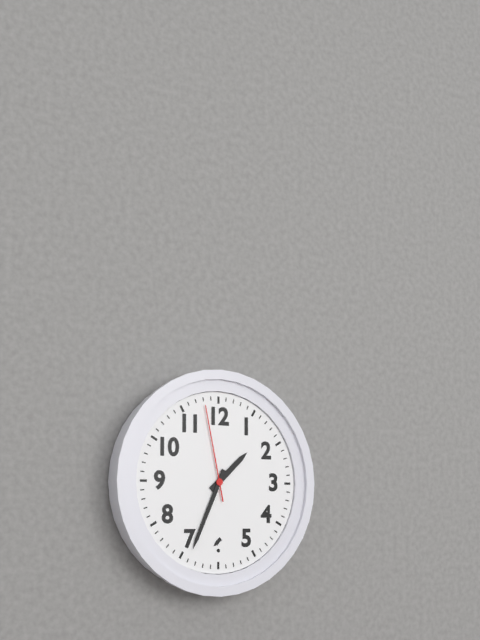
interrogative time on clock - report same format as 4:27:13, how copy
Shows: 1:34:58
